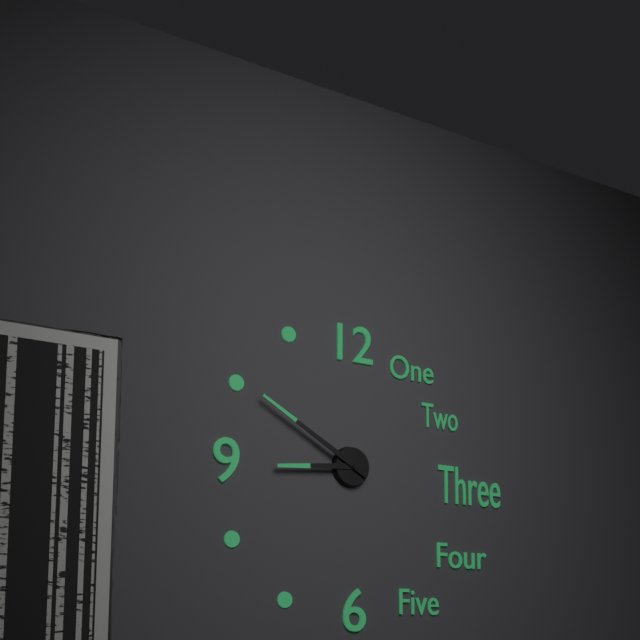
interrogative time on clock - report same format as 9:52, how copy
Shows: 8:50
